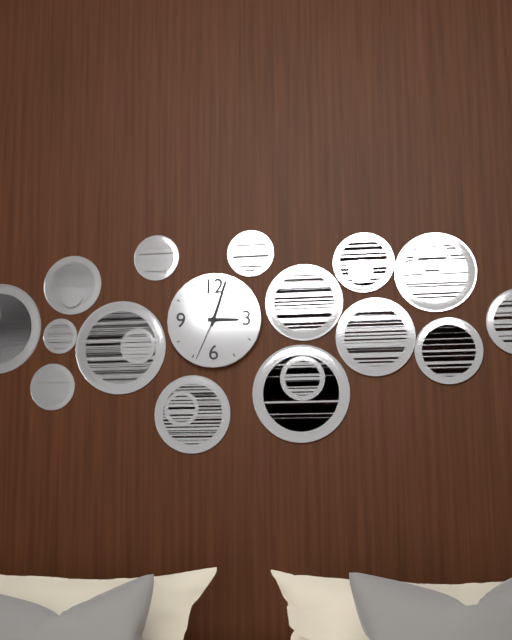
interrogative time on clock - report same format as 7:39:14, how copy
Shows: 3:03:34
